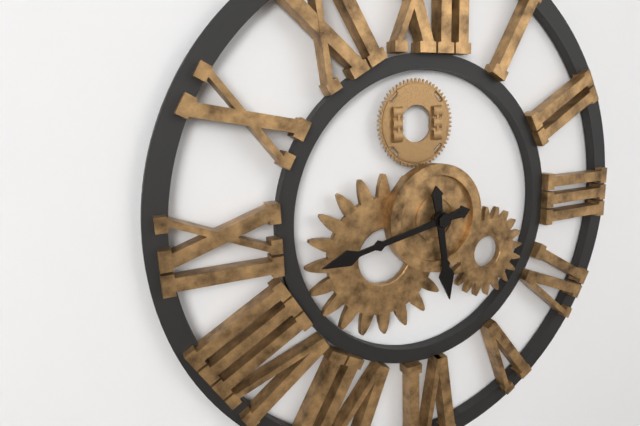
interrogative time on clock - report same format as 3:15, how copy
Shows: 5:43
